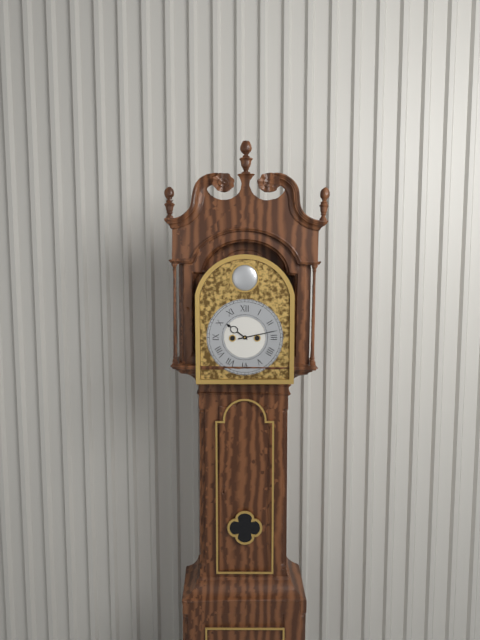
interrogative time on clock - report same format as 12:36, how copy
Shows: 10:13
